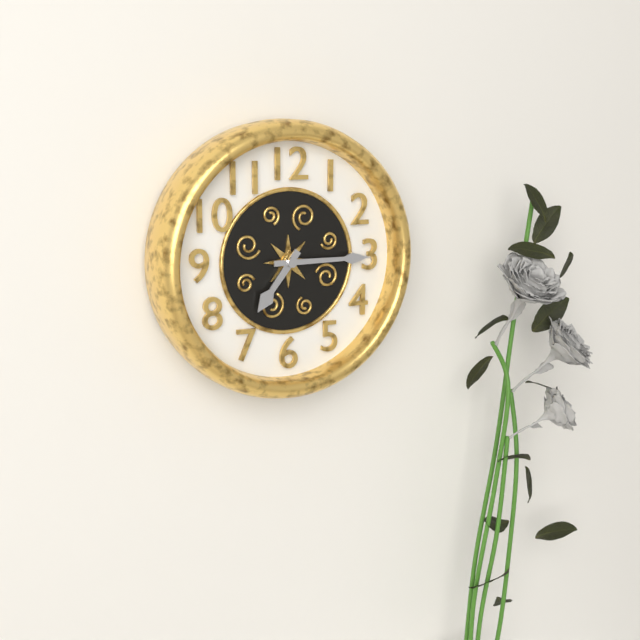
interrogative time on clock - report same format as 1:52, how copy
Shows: 7:15
